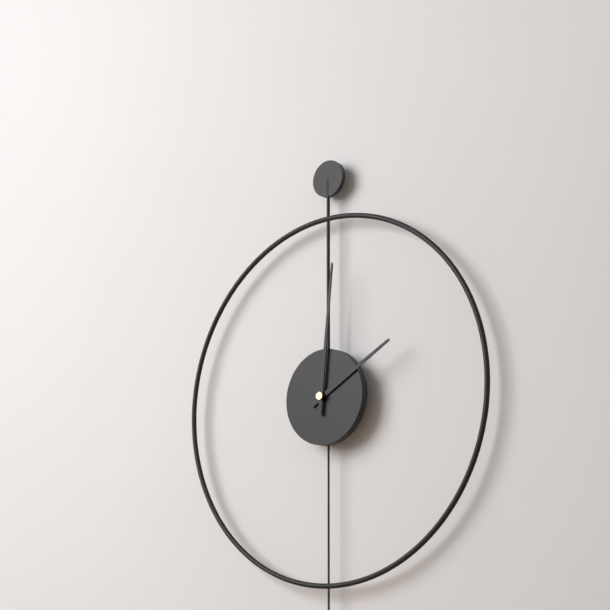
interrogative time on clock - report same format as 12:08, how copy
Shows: 2:01
